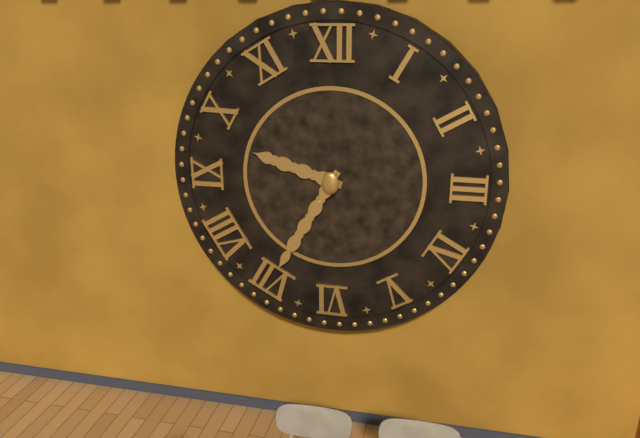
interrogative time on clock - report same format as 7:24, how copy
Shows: 9:35
